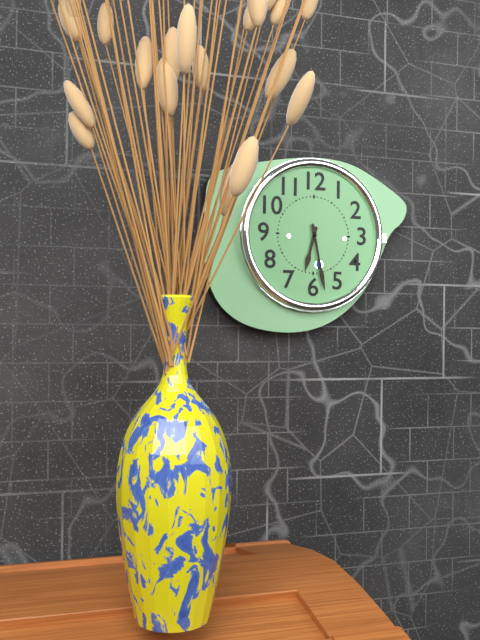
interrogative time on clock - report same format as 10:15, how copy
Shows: 6:28
